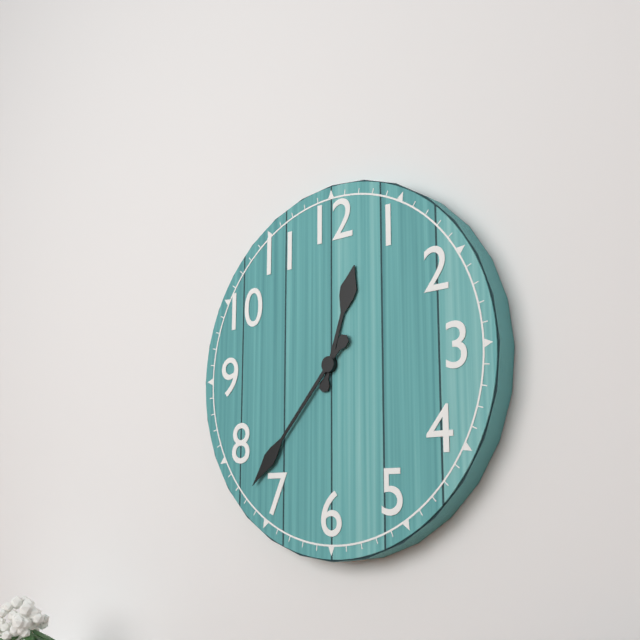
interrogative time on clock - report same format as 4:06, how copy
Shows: 12:37
